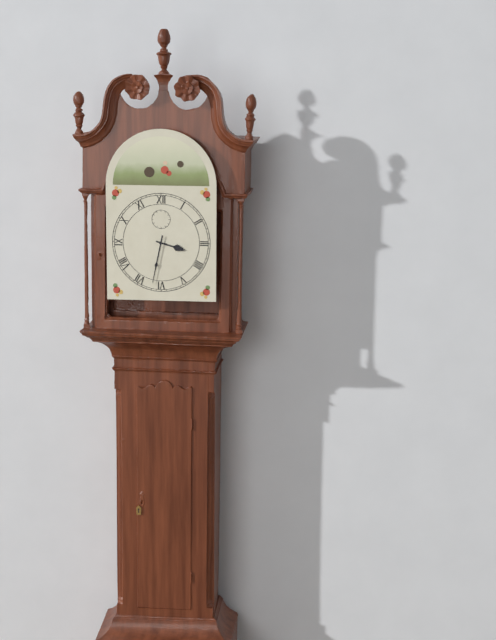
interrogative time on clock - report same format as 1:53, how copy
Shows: 3:32
